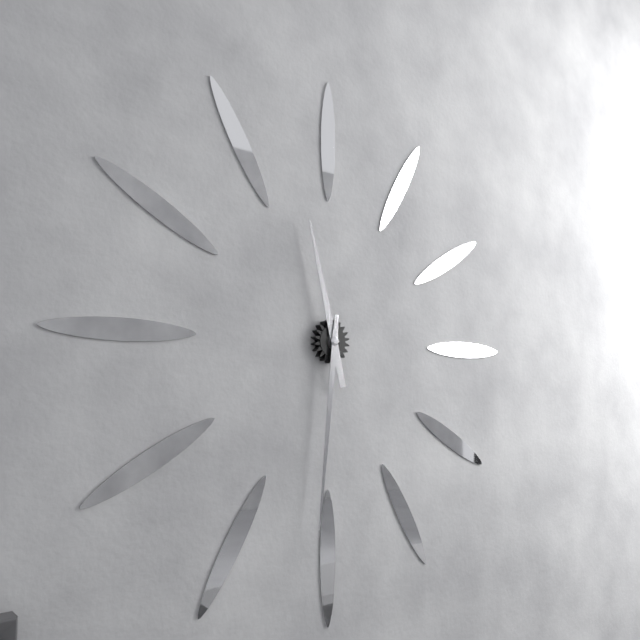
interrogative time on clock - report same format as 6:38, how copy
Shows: 11:31
